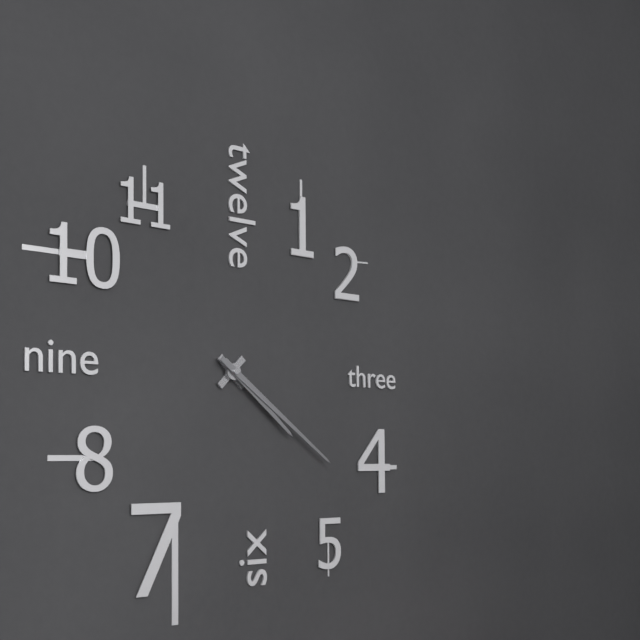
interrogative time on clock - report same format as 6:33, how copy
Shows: 4:21
